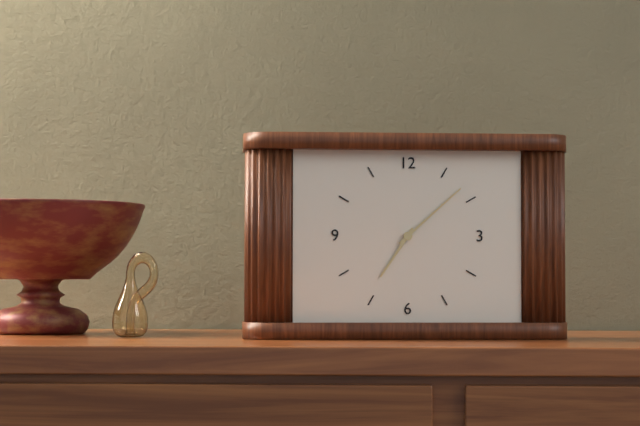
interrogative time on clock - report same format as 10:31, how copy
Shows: 7:08
